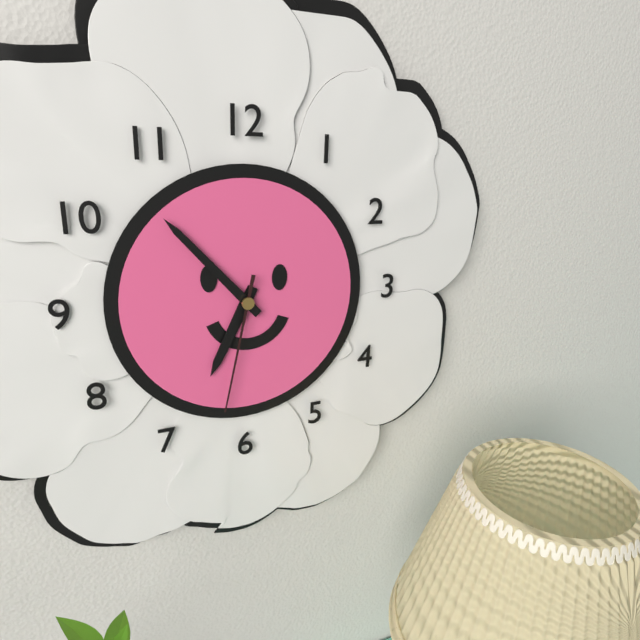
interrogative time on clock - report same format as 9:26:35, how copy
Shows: 6:53:32
